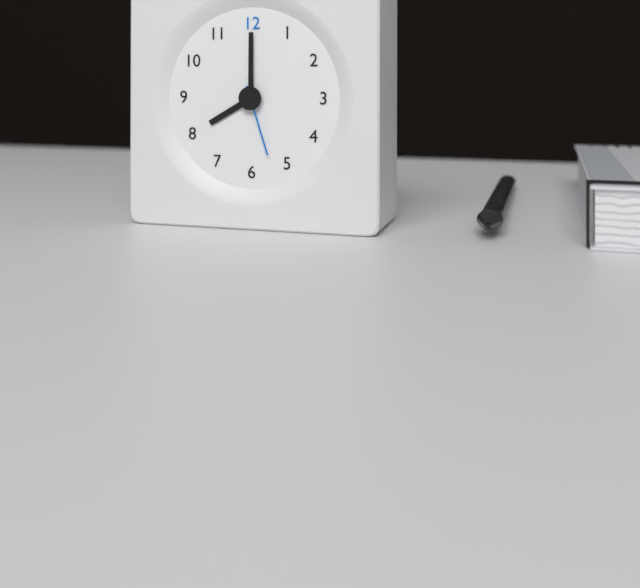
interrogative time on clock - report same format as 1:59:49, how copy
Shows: 8:00:27
